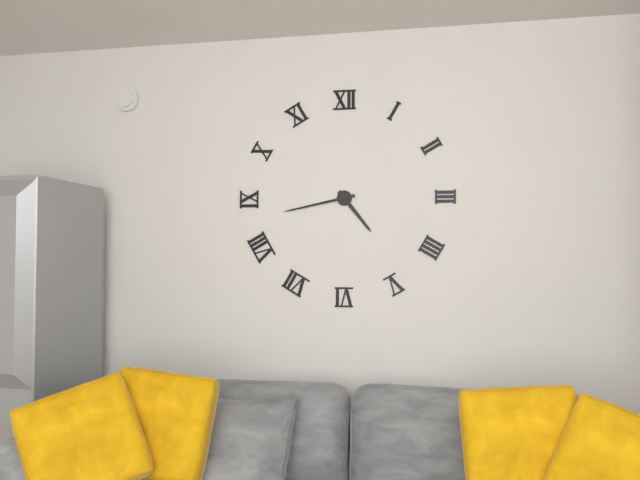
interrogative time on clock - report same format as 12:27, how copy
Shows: 4:43
